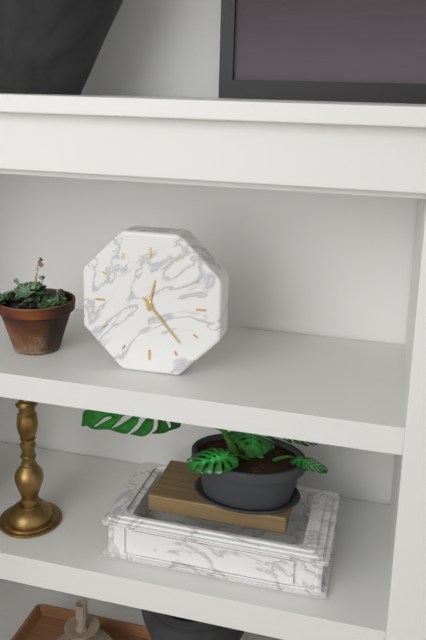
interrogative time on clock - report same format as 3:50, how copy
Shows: 12:23
